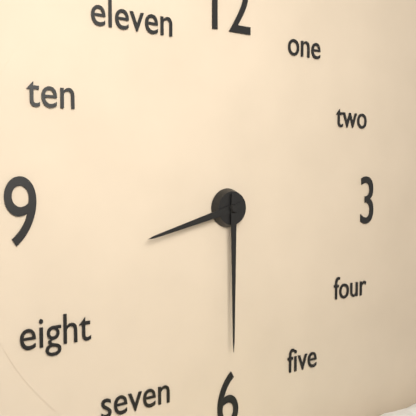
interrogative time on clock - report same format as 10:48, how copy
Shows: 8:30
